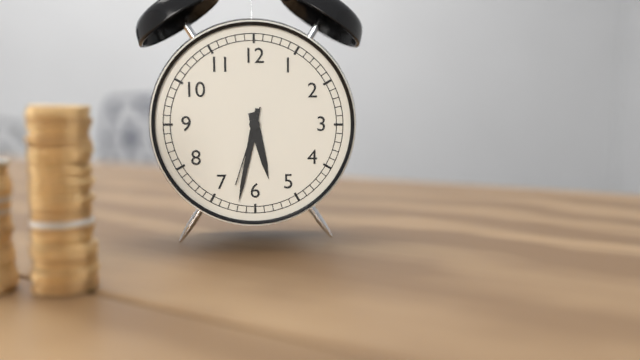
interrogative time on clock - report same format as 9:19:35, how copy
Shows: 5:32:33
